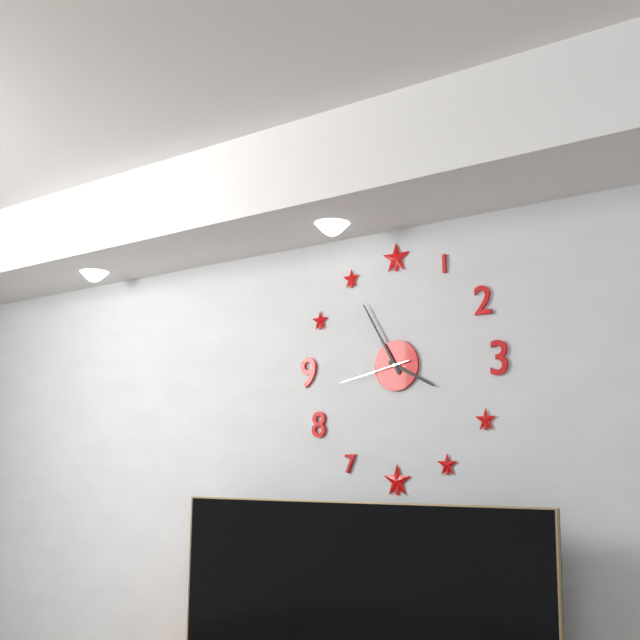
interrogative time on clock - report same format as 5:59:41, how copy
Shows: 3:55:43
